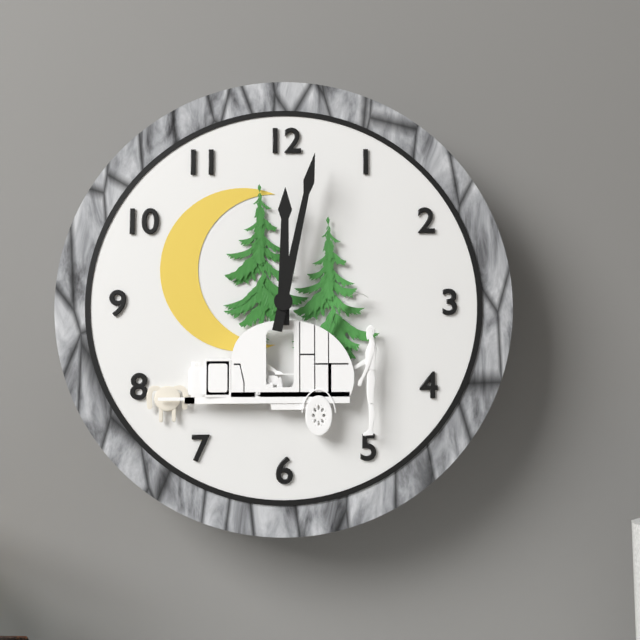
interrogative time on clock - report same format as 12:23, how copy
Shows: 12:02
